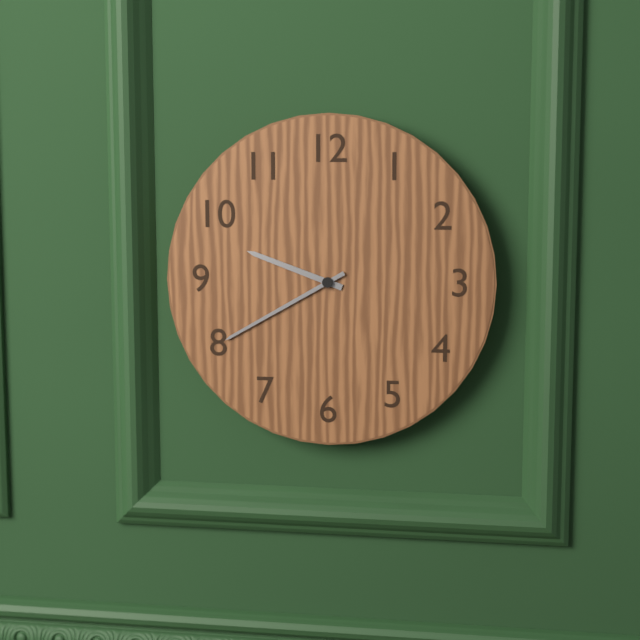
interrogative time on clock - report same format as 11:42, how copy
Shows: 9:40
